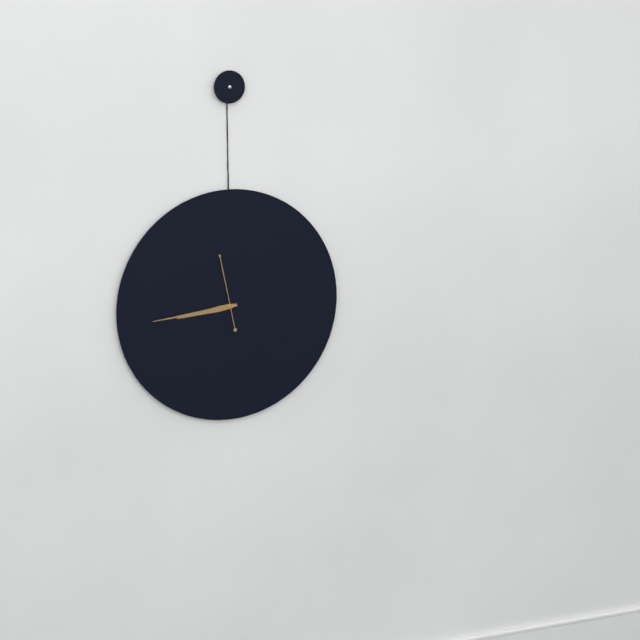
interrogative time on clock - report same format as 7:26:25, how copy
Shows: 8:44:58
